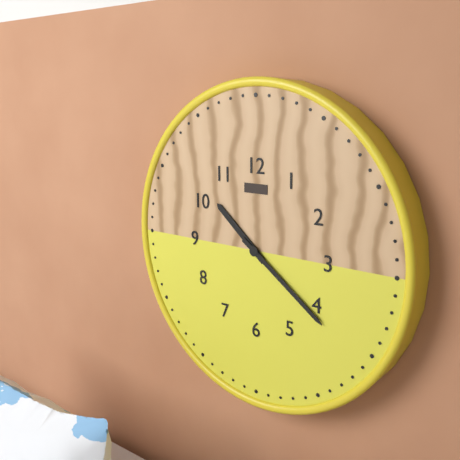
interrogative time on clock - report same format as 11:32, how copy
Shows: 10:21
